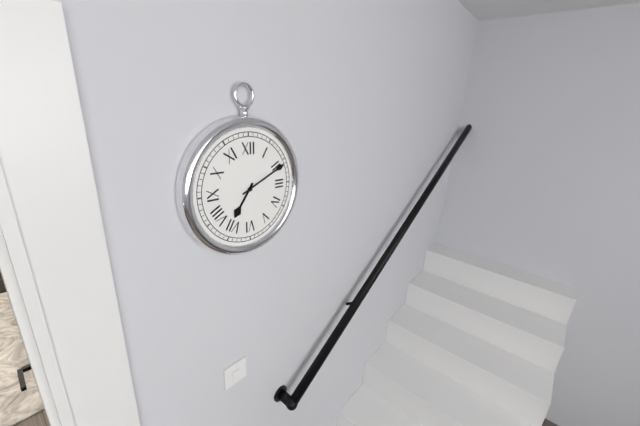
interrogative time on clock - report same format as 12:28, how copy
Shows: 7:11
